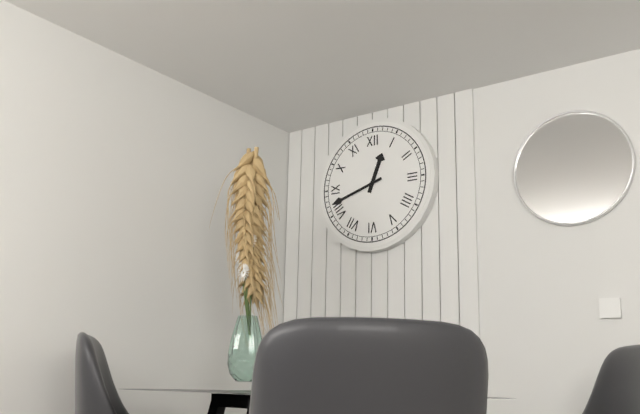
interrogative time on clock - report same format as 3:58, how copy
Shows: 12:42
